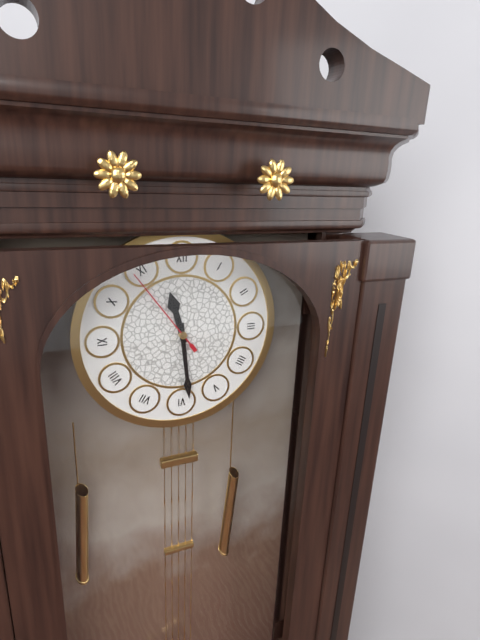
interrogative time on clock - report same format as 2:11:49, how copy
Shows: 11:29:54
